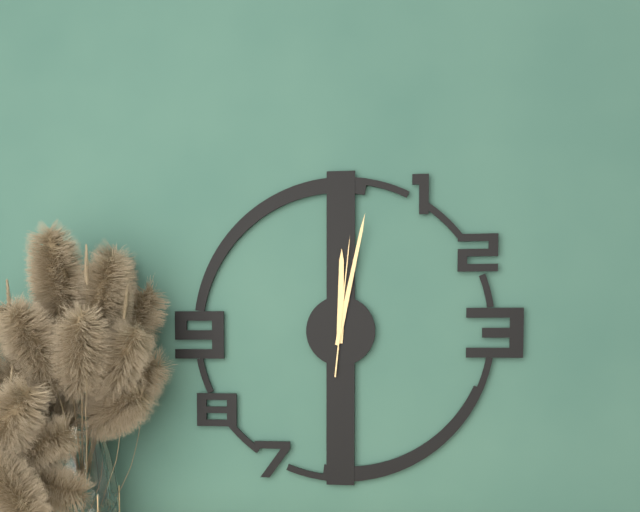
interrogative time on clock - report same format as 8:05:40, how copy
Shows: 12:02:01
